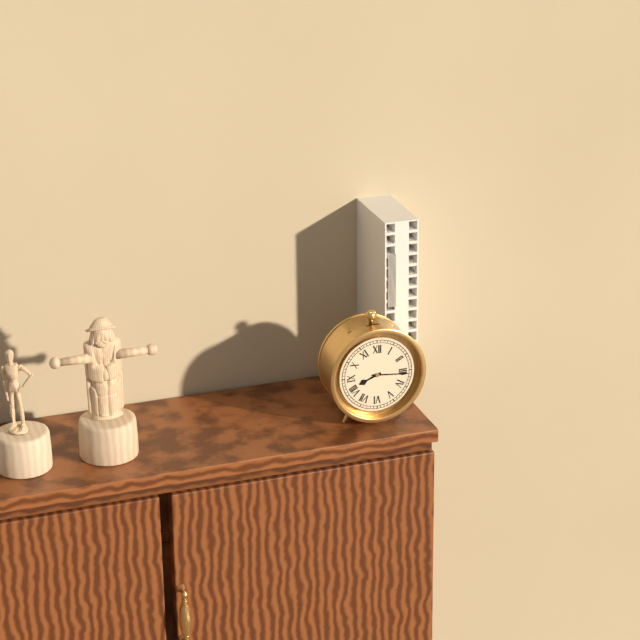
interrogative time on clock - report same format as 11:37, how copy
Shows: 8:16
